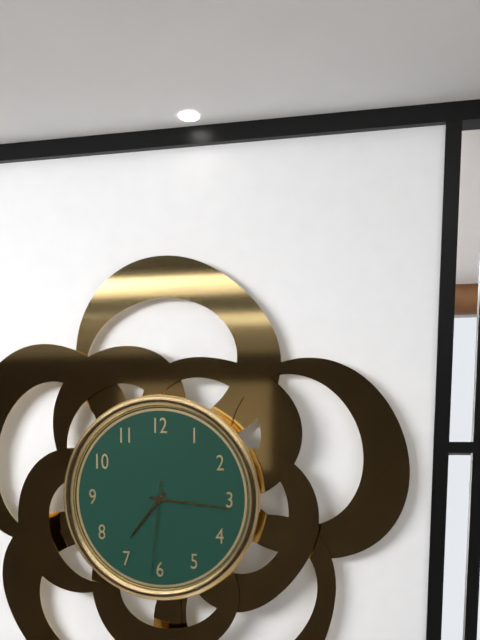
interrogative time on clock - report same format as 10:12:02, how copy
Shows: 7:16:31
